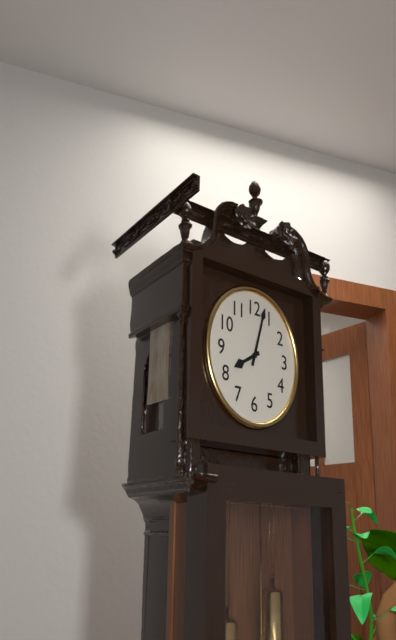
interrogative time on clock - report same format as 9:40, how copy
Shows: 8:03
